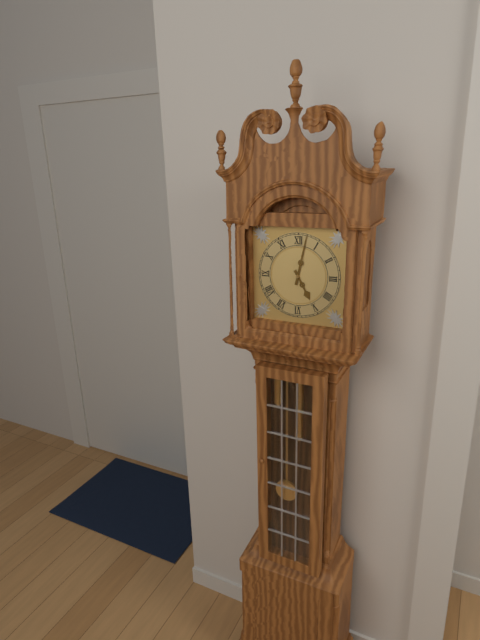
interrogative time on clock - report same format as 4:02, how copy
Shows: 5:02
